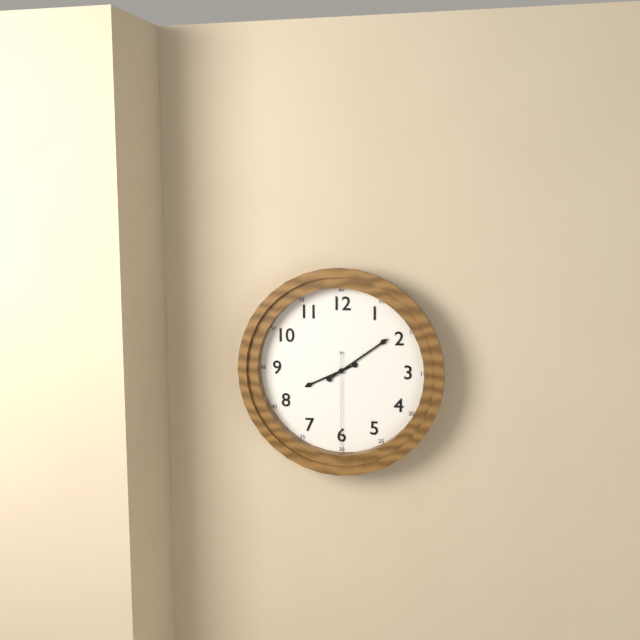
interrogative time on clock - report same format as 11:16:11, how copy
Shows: 8:09:30
